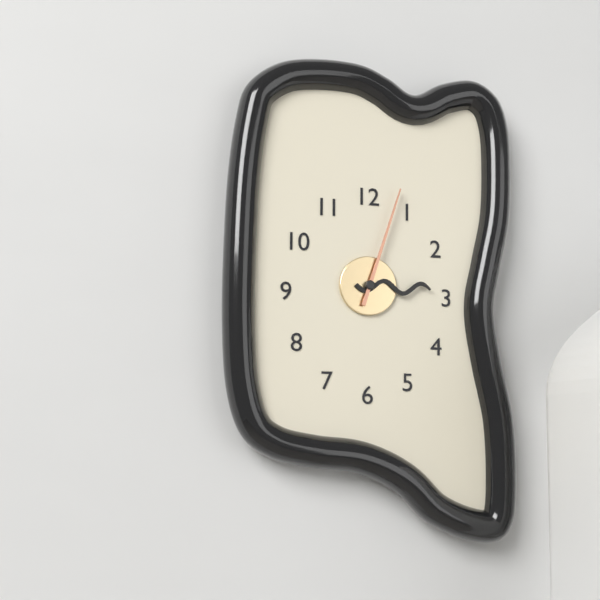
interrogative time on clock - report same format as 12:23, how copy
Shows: 3:03
